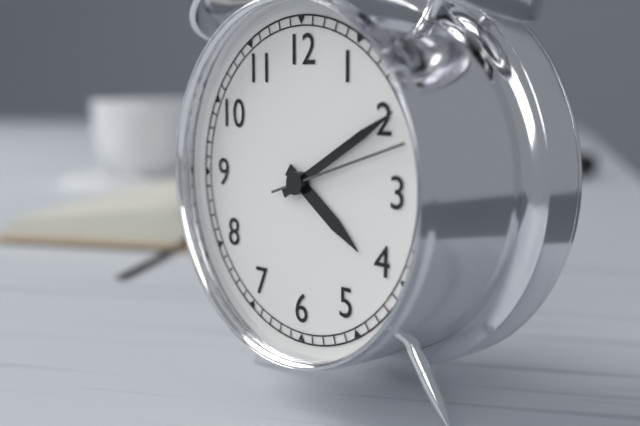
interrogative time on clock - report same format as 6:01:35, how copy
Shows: 4:10:12
